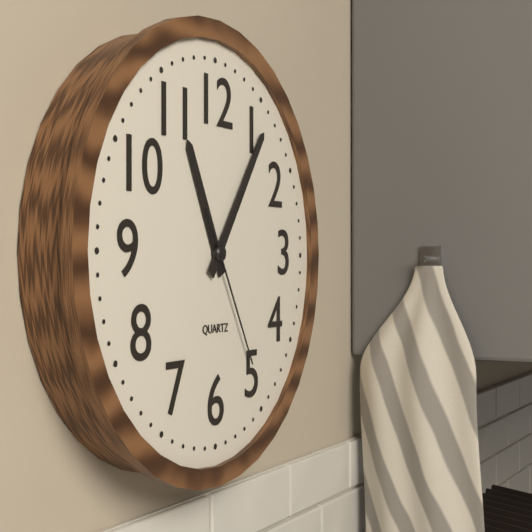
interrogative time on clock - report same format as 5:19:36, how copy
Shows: 11:06:25
